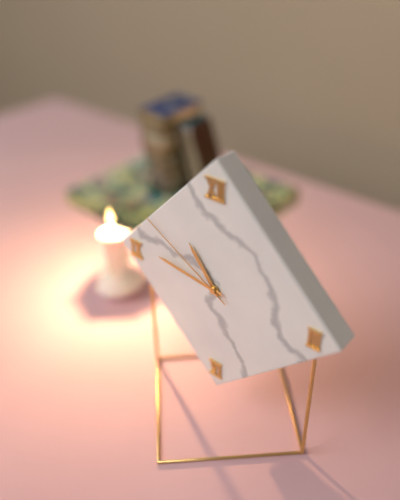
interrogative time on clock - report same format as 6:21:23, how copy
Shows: 10:46:50
